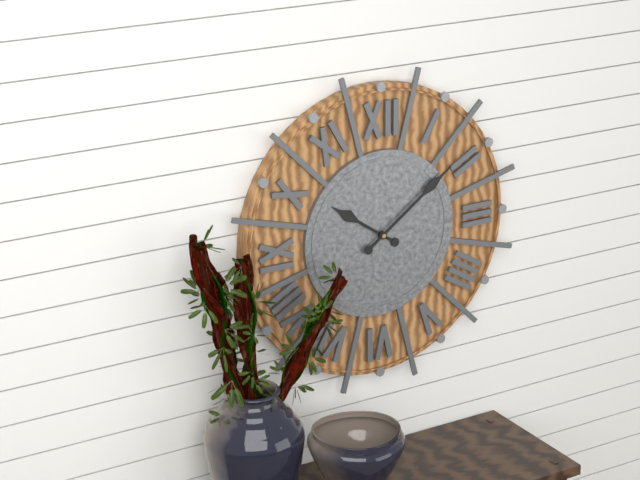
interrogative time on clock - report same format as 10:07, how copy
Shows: 10:09
